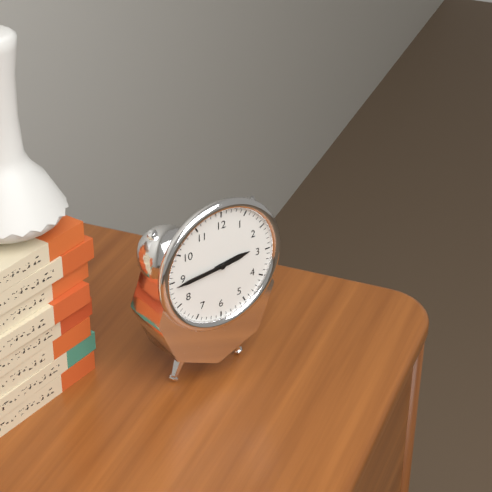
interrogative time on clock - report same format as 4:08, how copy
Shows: 2:44
